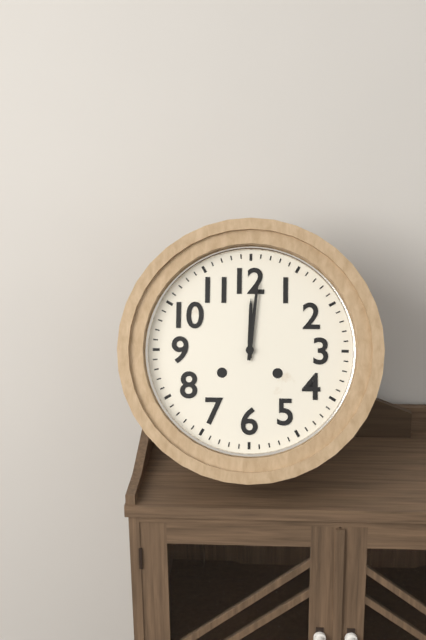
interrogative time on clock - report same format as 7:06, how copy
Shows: 12:01
